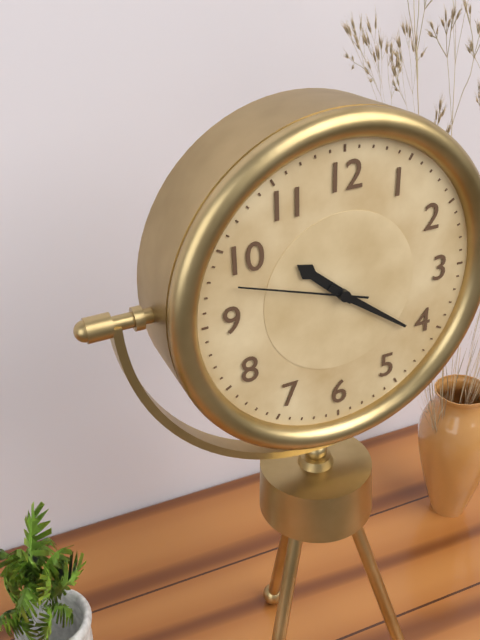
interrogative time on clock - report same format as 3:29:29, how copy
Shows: 10:21:48
